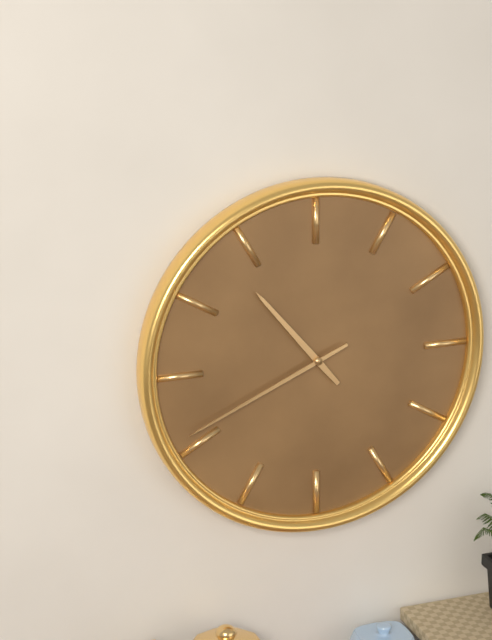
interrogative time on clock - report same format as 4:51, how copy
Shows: 10:41
